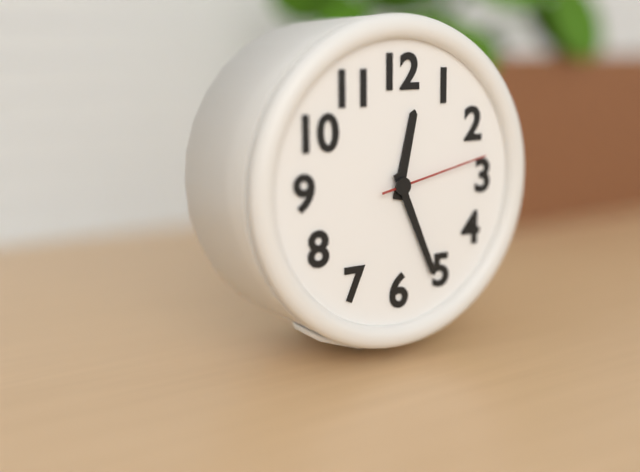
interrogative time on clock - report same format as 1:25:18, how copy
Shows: 12:26:13
